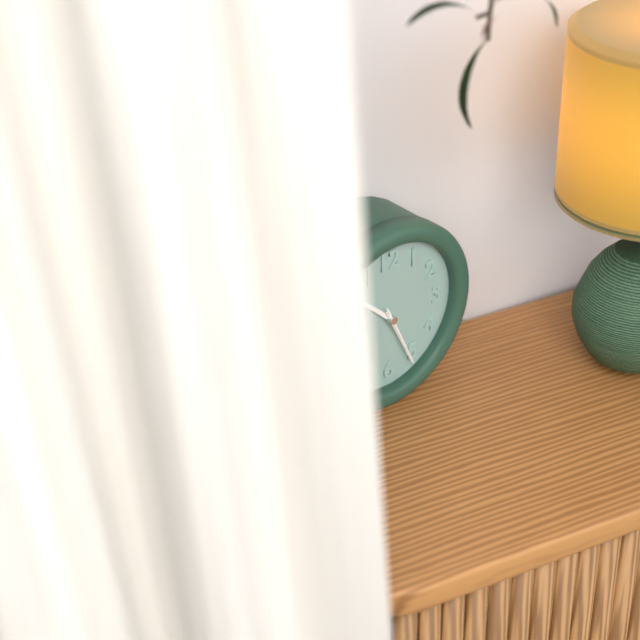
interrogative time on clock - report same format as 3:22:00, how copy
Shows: 10:26:26
